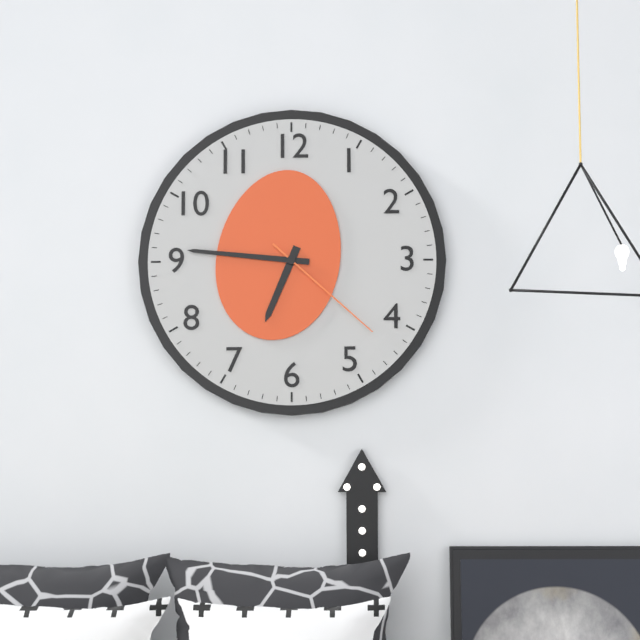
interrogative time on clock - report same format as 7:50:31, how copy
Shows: 6:46:22
